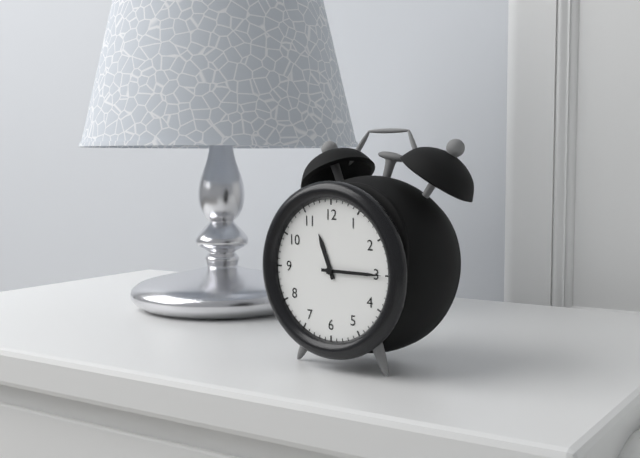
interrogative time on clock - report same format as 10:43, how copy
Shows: 11:15
